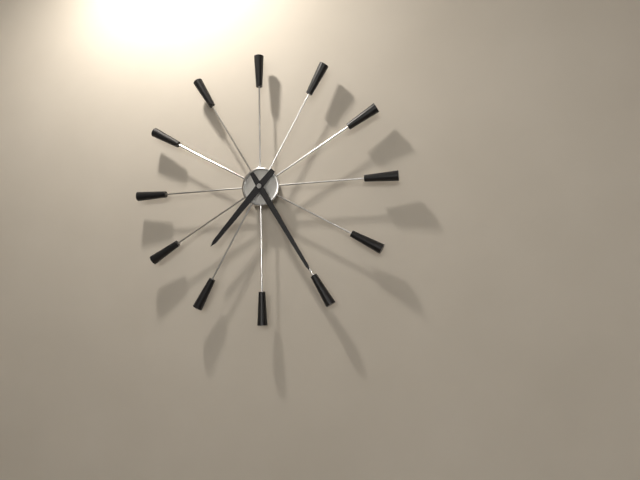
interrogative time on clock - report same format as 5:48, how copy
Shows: 7:25
